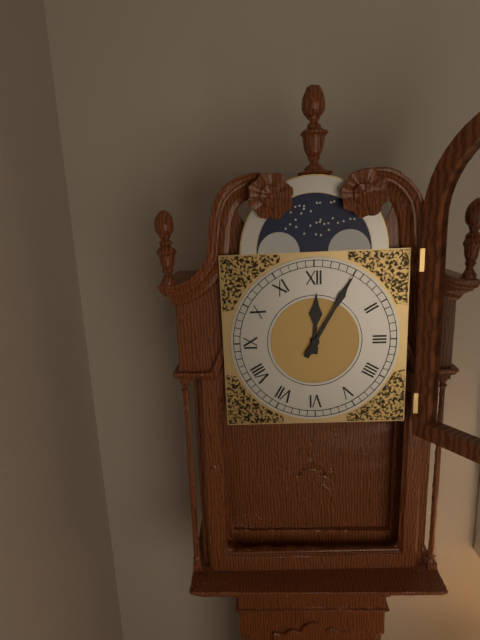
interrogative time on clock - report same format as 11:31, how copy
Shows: 12:05
